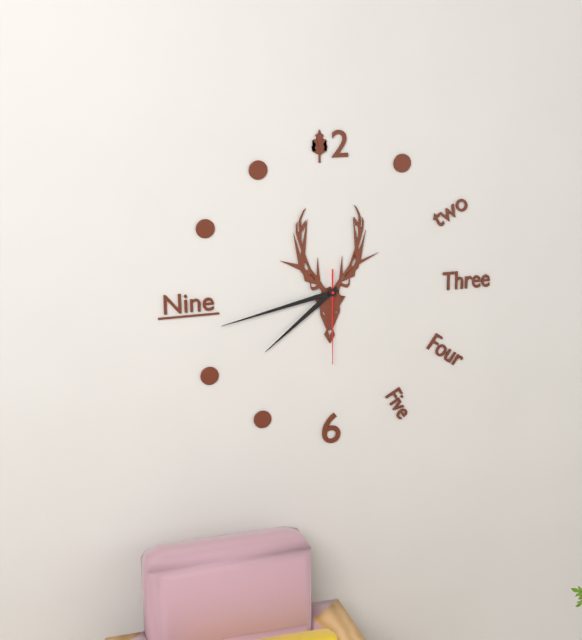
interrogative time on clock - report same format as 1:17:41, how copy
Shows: 7:43:30
